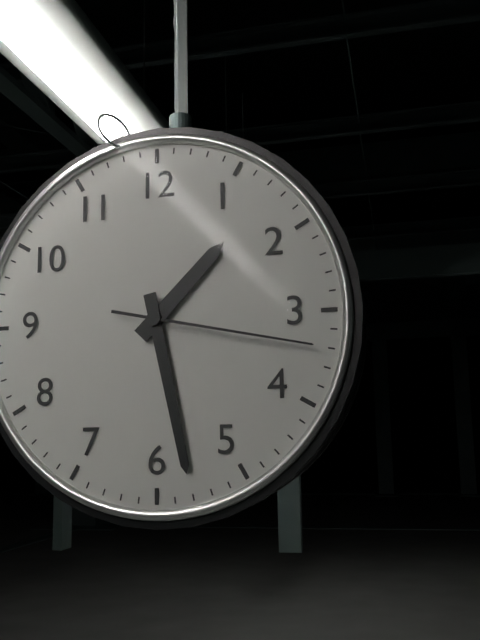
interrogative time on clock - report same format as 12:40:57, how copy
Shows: 1:28:17
